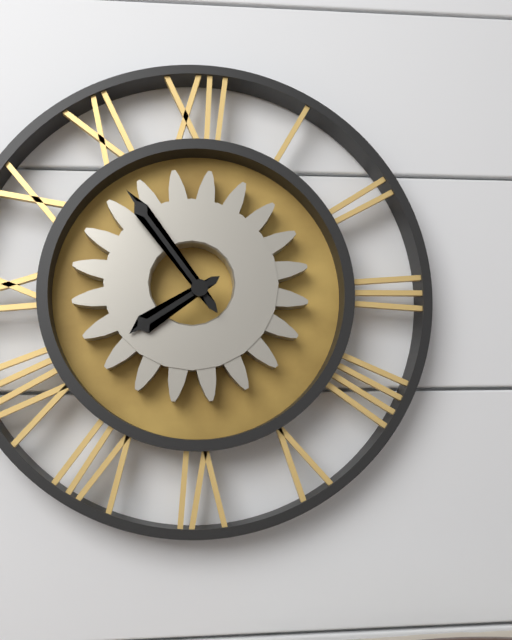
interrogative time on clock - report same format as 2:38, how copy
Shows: 7:54
